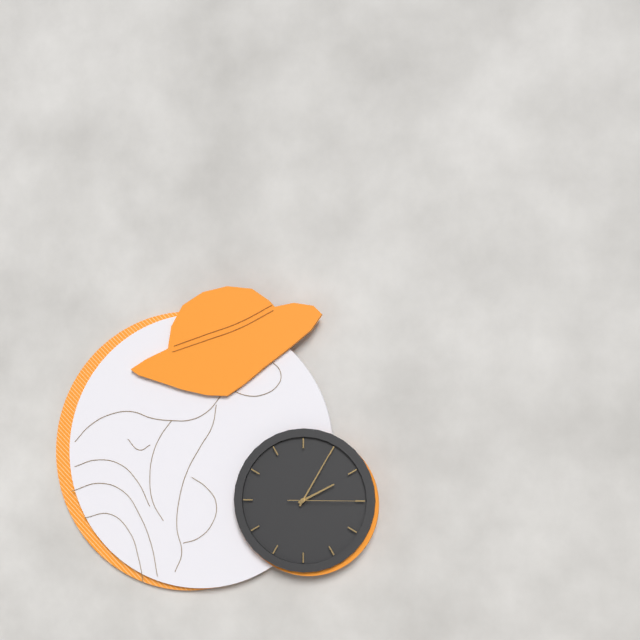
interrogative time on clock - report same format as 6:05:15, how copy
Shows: 2:05:15
